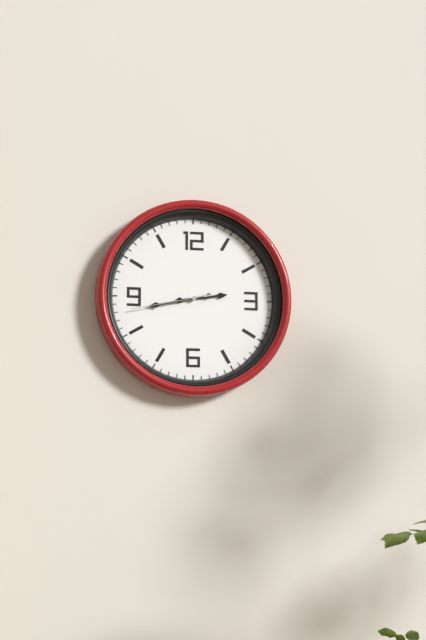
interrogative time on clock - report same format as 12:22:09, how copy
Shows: 2:43:43
